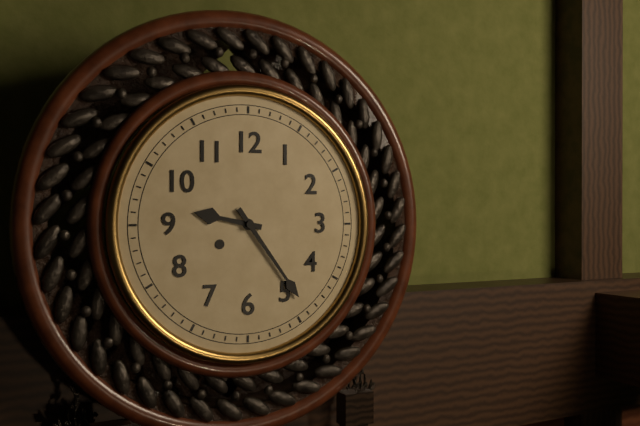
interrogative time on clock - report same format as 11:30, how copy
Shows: 9:24
